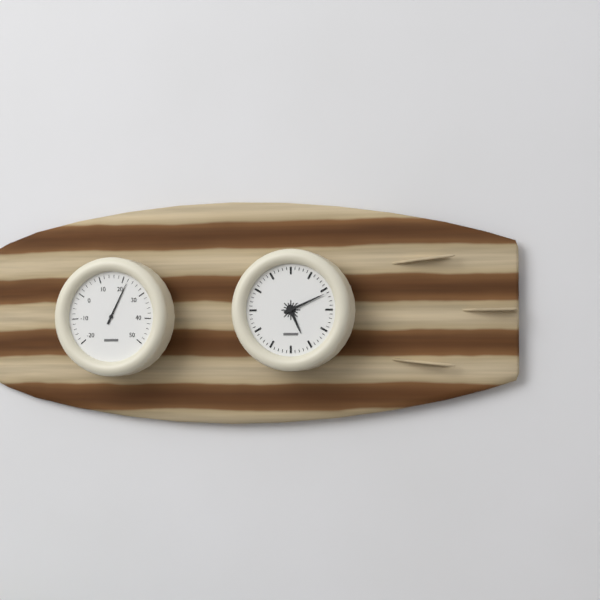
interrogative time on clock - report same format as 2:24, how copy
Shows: 5:11
